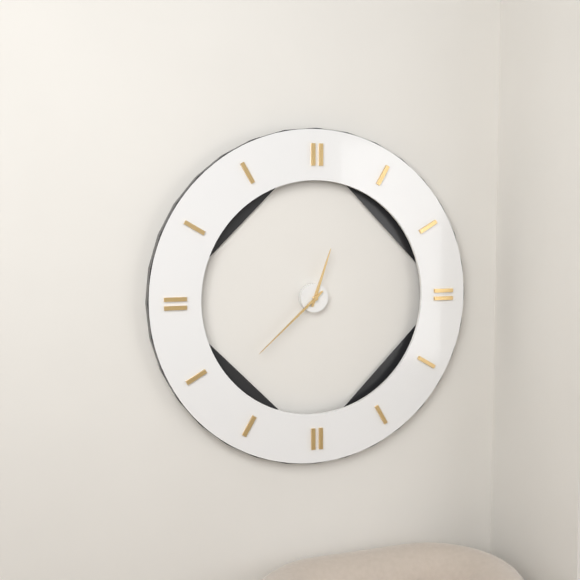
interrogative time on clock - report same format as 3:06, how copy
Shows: 12:38
